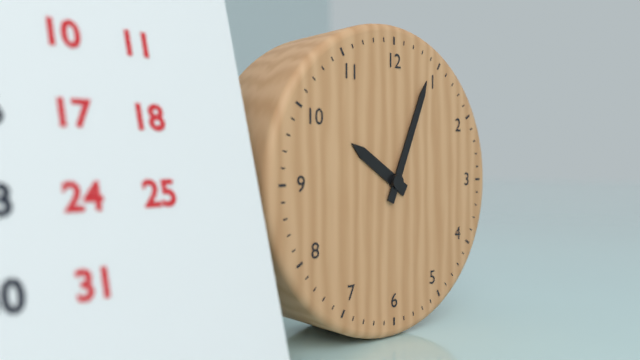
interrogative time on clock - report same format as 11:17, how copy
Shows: 10:04
